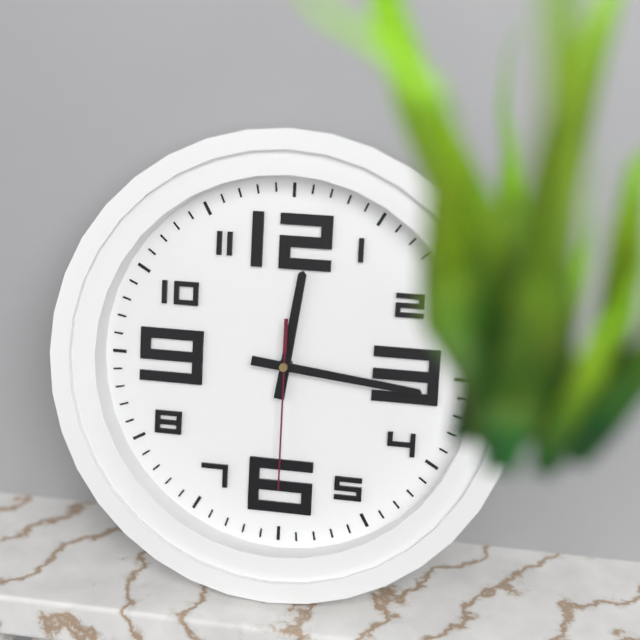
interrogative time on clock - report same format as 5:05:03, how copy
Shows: 12:16:30
